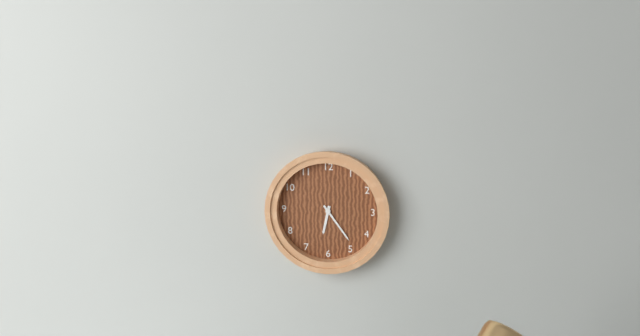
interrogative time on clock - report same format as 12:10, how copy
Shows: 6:24
